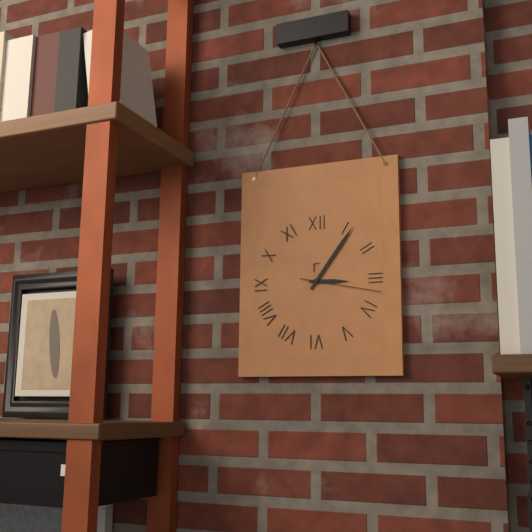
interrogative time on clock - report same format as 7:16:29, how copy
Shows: 3:06:17
